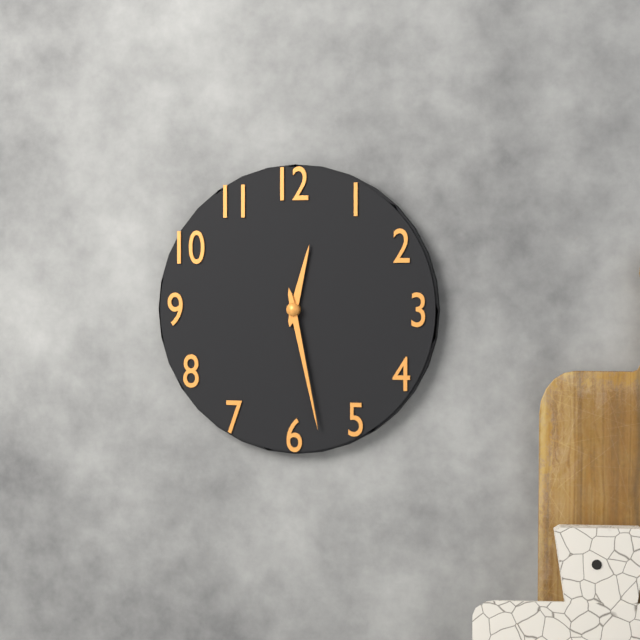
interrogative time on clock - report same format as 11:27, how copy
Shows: 12:28
